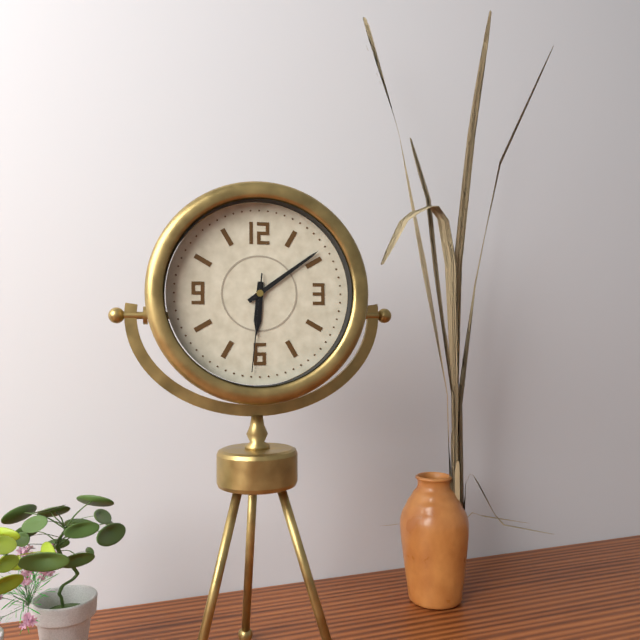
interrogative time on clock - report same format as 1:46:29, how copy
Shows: 6:09:31
